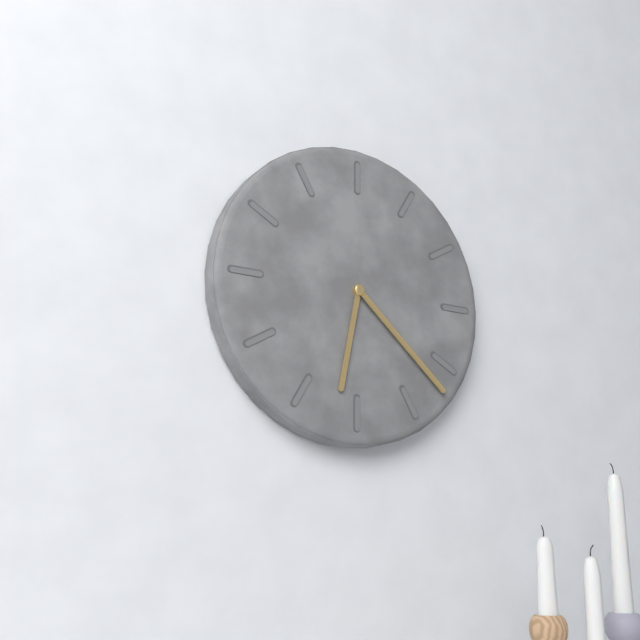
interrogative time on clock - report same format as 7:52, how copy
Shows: 6:22
